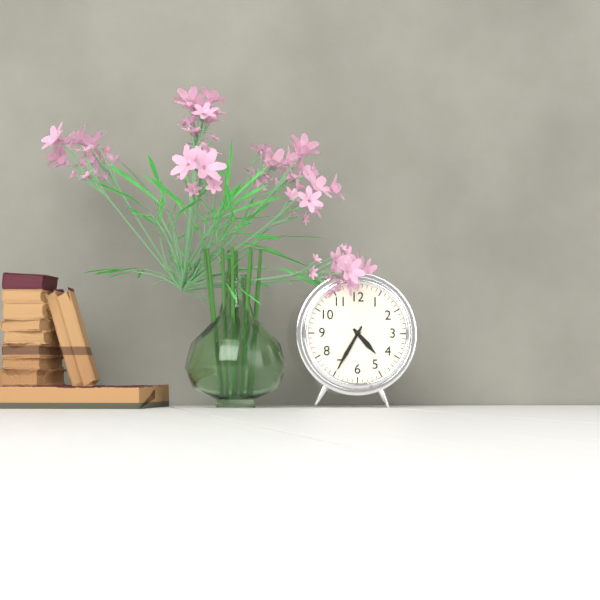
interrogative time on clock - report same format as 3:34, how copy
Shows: 4:35
